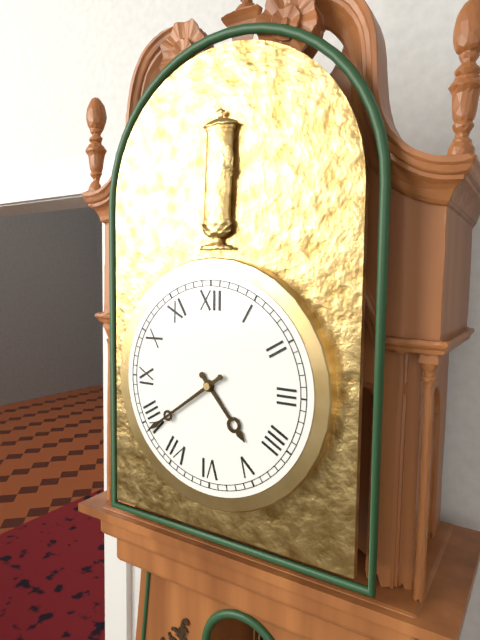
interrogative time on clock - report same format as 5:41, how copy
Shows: 4:39
